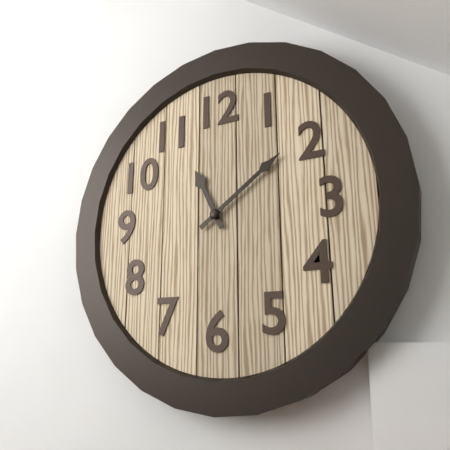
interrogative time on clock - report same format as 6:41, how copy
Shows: 11:09
